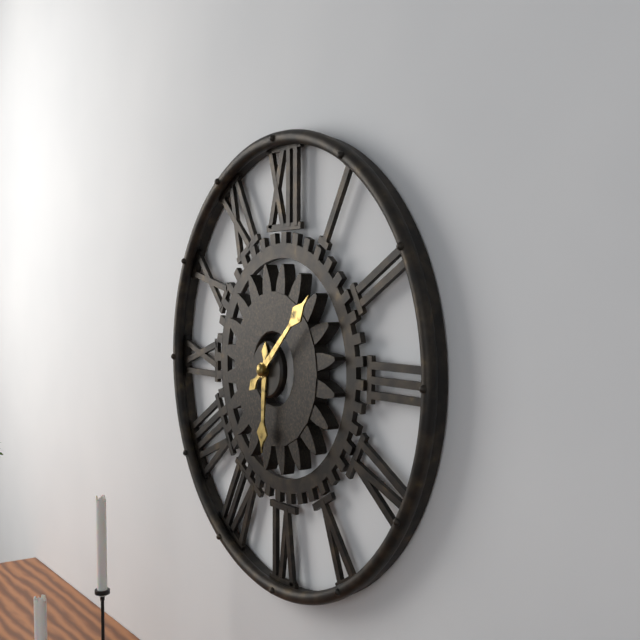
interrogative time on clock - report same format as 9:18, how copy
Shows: 6:08
